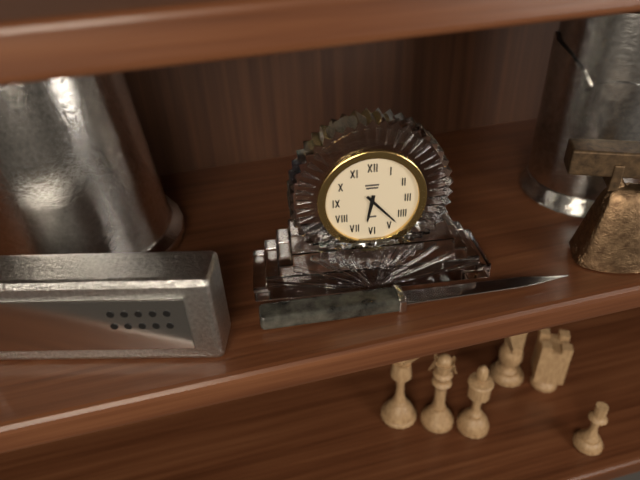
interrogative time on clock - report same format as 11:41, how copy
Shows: 6:23
